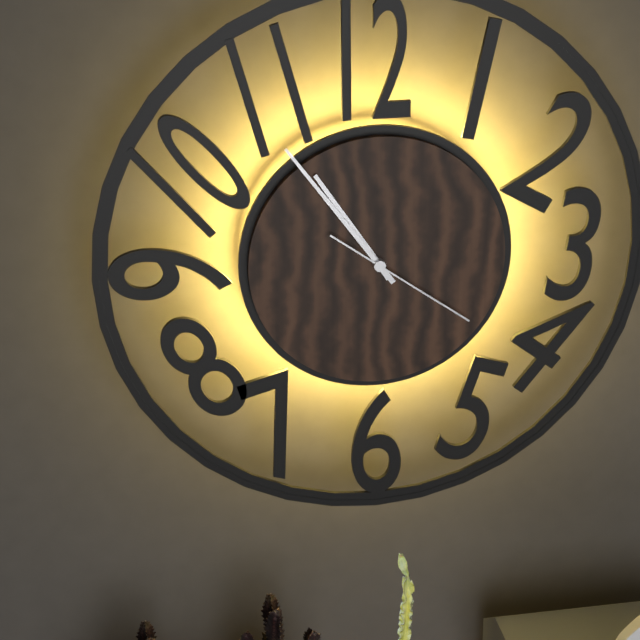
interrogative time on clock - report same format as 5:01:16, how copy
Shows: 10:54:21
